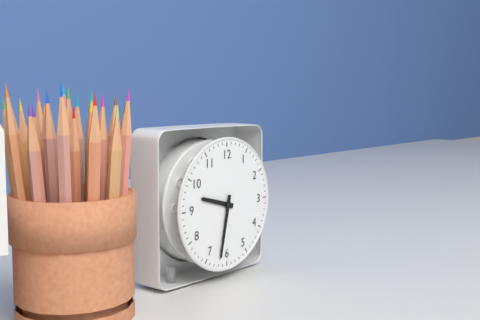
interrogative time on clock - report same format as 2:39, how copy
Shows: 9:32
